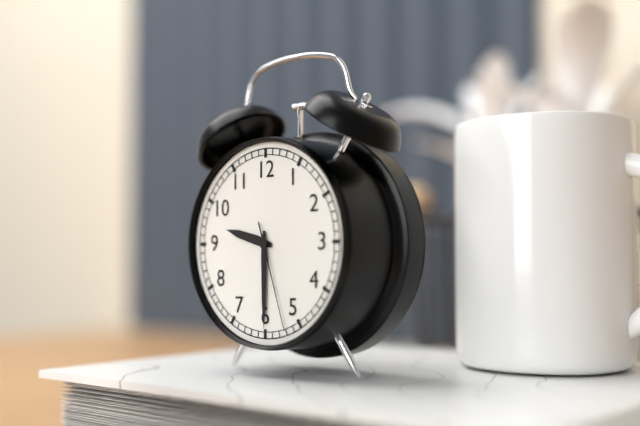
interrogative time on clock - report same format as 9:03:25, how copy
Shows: 9:30:27
